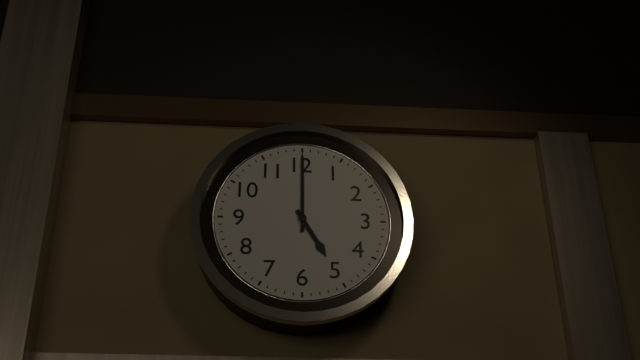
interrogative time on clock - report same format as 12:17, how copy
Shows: 5:00
